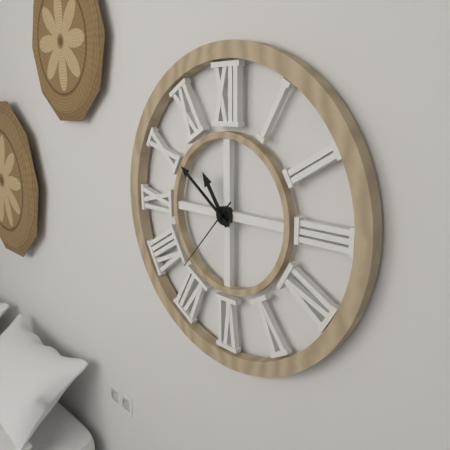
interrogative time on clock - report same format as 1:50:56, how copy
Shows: 10:51:37
